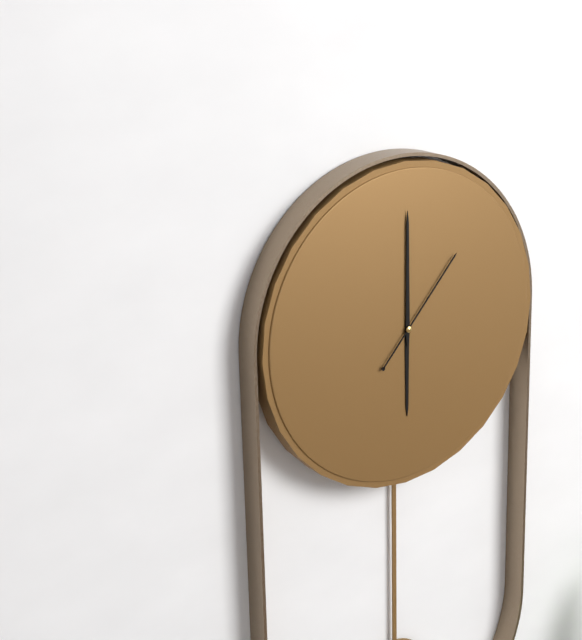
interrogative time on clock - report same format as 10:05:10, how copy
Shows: 6:00:07
